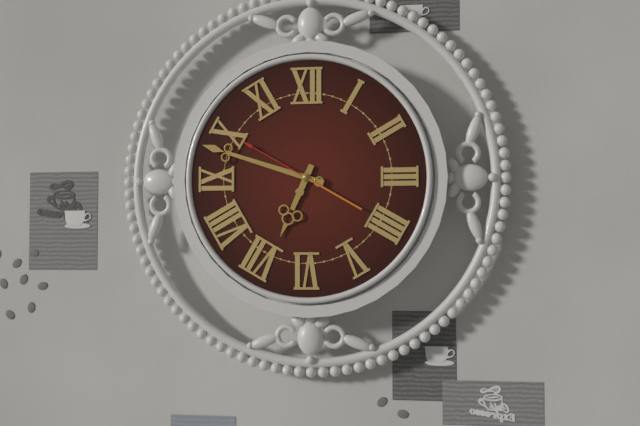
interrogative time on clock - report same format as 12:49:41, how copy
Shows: 6:48:50
